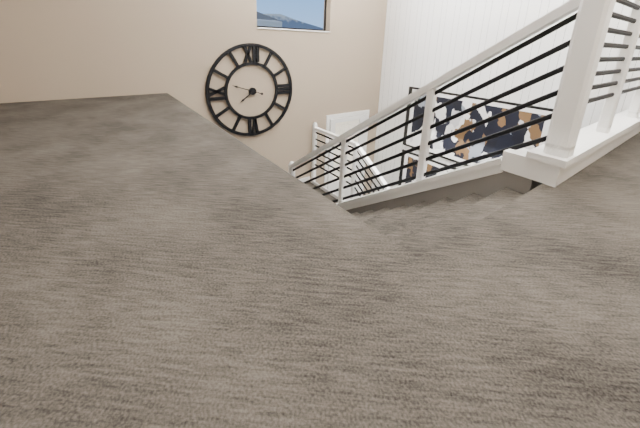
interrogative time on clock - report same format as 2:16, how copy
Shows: 7:48
